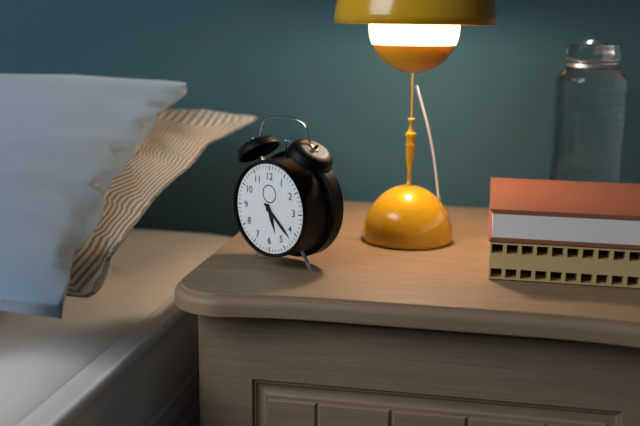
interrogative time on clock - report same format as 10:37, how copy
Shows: 5:22
